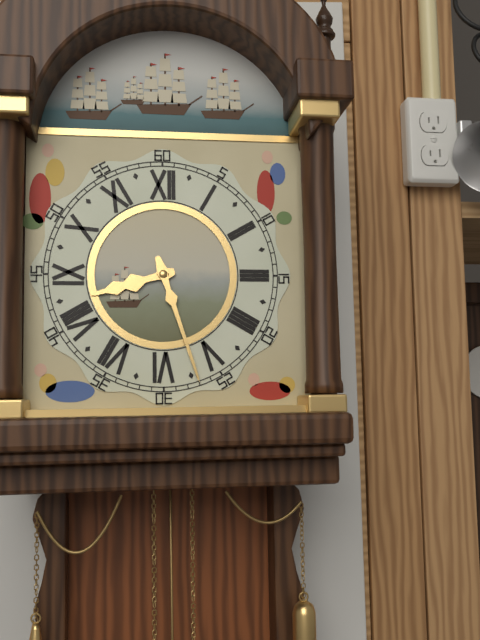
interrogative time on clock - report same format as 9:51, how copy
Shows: 8:27
